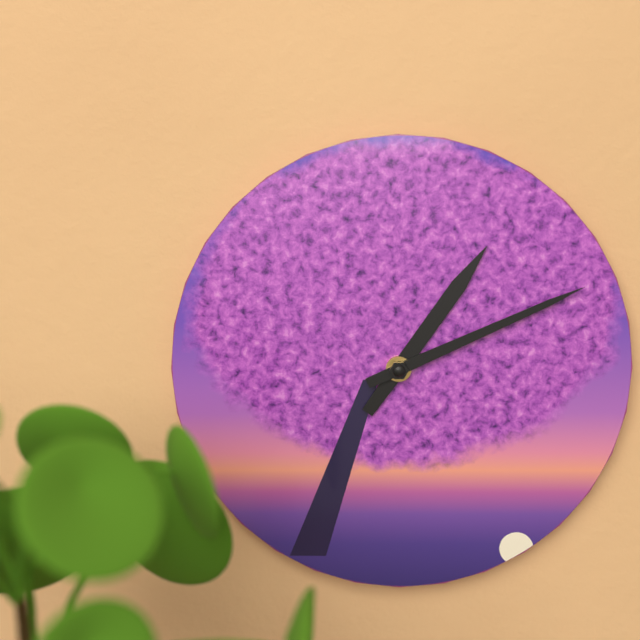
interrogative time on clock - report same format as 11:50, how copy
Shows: 1:11
